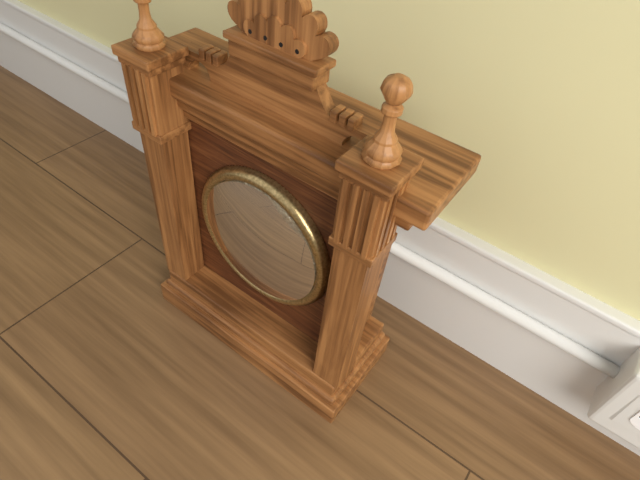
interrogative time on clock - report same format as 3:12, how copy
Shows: 10:08
